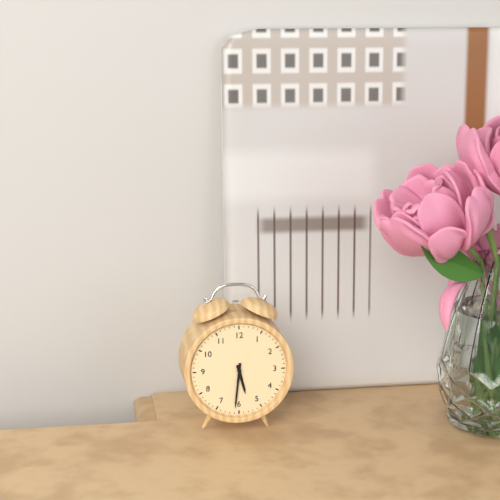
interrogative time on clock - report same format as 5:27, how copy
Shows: 5:31
